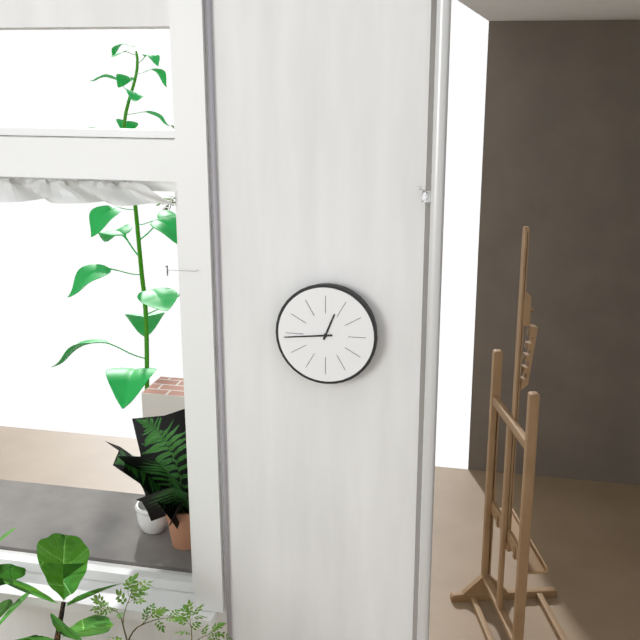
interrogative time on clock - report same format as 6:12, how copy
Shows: 12:44
